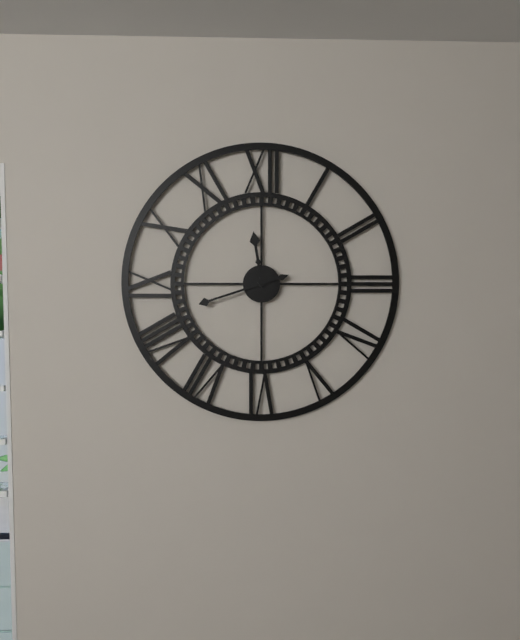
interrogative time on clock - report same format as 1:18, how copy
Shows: 11:42
